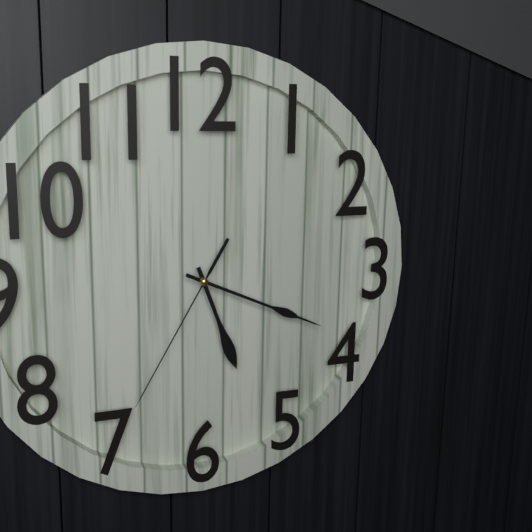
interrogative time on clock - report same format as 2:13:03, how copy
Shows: 5:19:35
